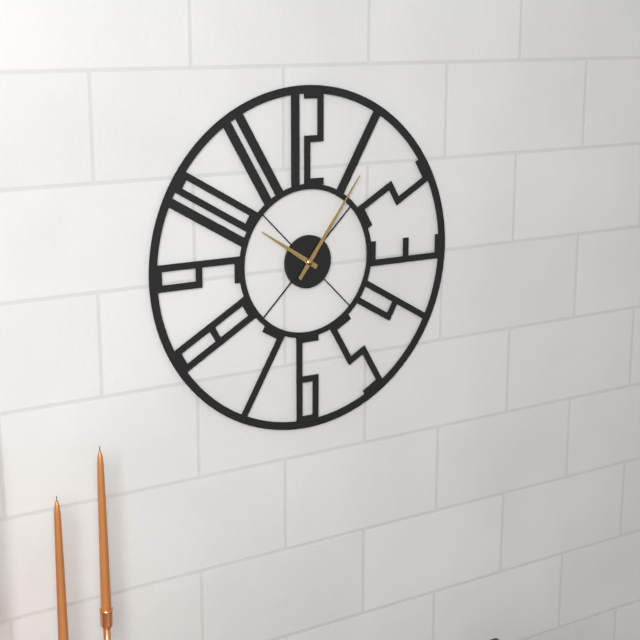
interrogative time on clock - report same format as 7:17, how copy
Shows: 10:06
